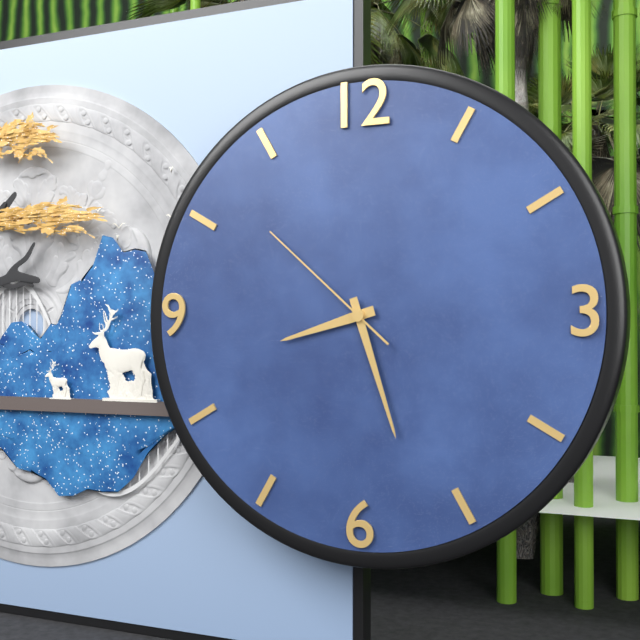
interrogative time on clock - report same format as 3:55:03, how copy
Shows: 8:27:52
